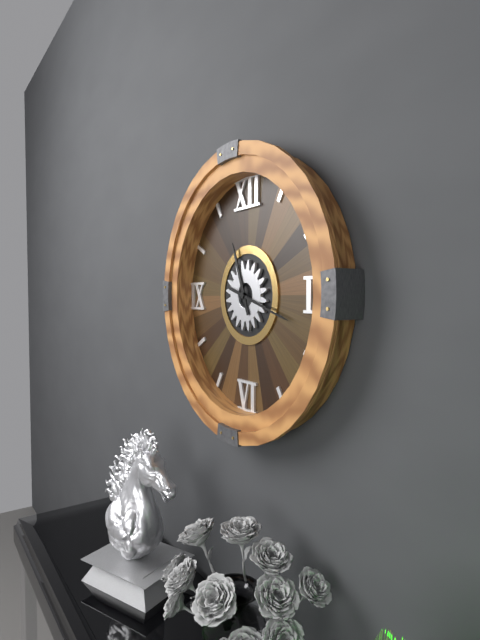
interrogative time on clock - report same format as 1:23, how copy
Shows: 11:18
